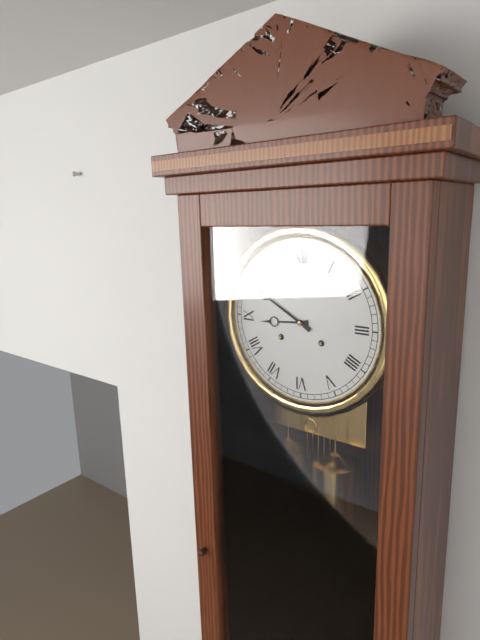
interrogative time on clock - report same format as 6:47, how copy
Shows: 8:50
